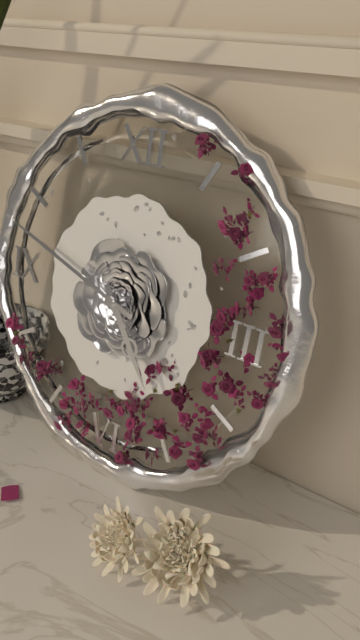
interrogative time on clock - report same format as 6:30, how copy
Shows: 4:48
